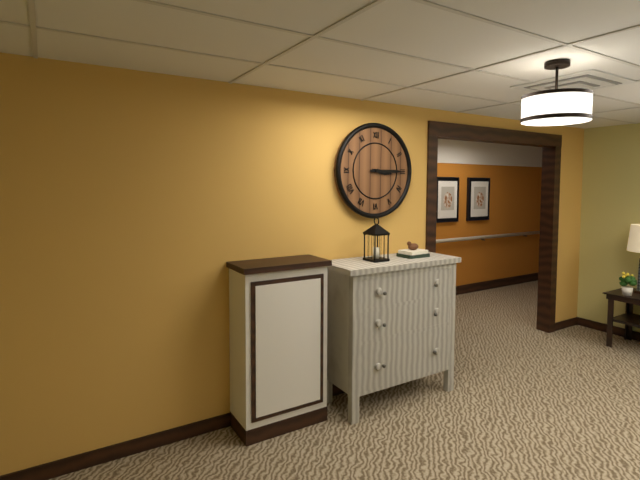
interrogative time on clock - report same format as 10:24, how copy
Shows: 3:15
